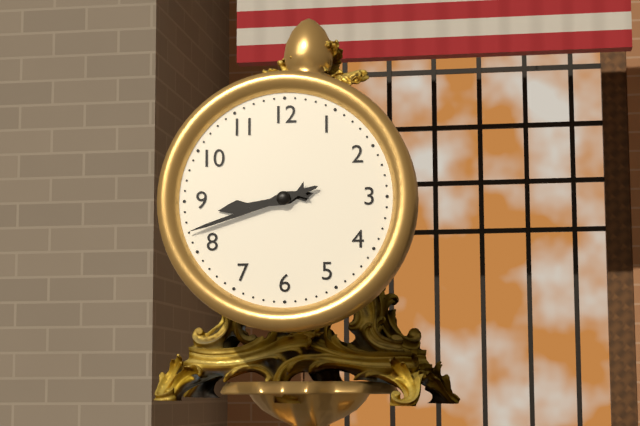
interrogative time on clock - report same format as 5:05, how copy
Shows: 8:42
